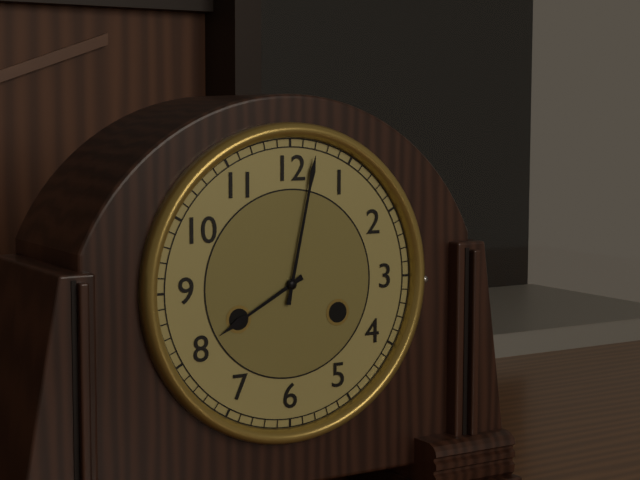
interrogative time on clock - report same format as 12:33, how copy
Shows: 8:02
